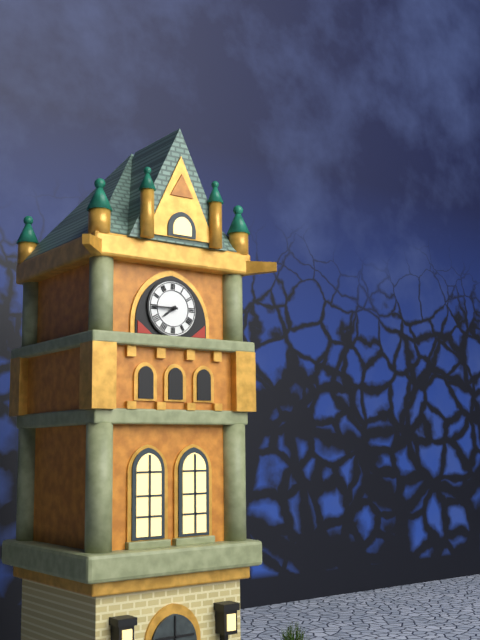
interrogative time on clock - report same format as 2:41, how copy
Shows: 7:45
